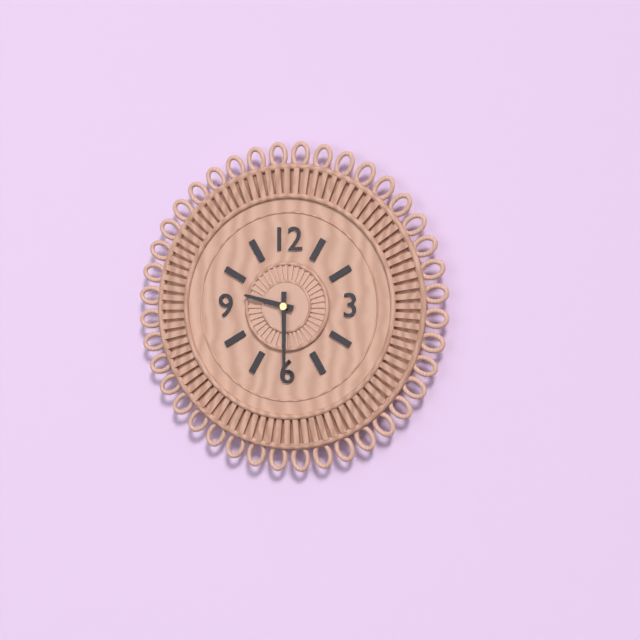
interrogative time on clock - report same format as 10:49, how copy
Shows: 9:30
